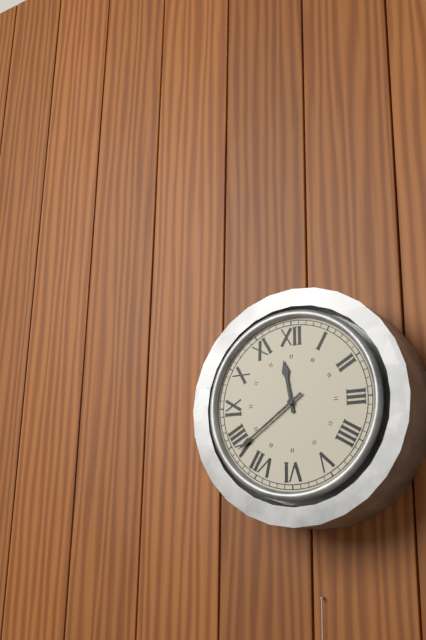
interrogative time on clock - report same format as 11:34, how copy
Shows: 11:39
